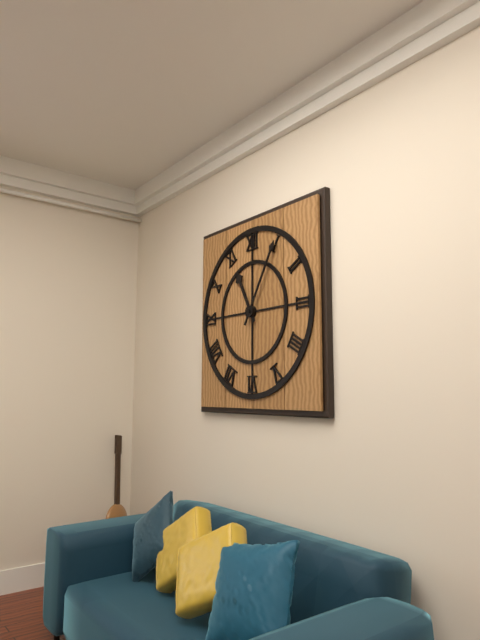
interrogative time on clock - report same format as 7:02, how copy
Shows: 11:05
